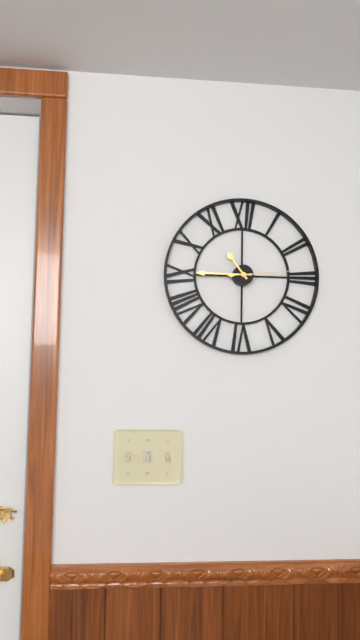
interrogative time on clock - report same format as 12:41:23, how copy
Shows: 10:45:14
